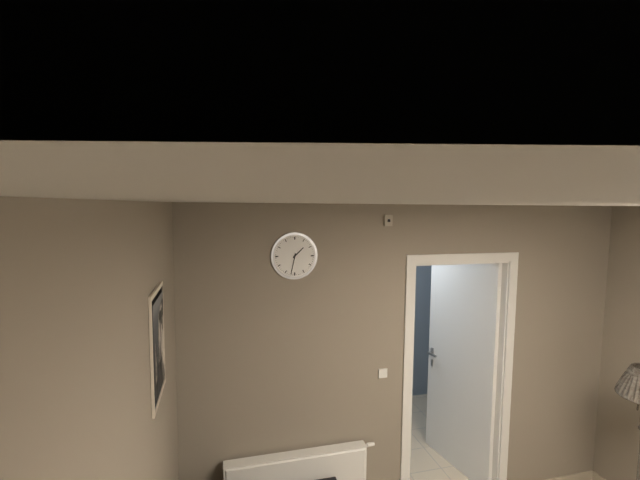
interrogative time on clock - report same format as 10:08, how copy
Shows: 1:32
